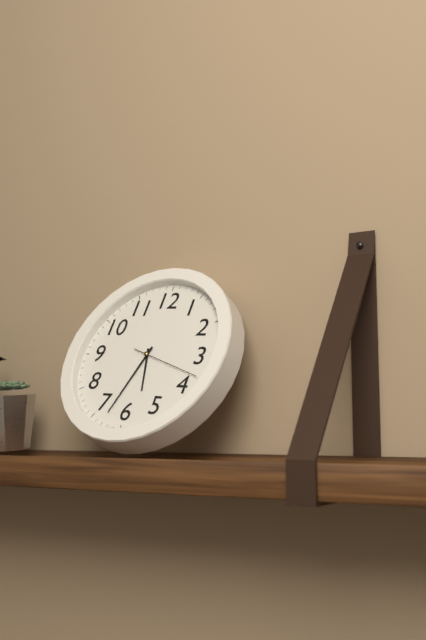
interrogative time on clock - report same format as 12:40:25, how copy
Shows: 5:33:18
